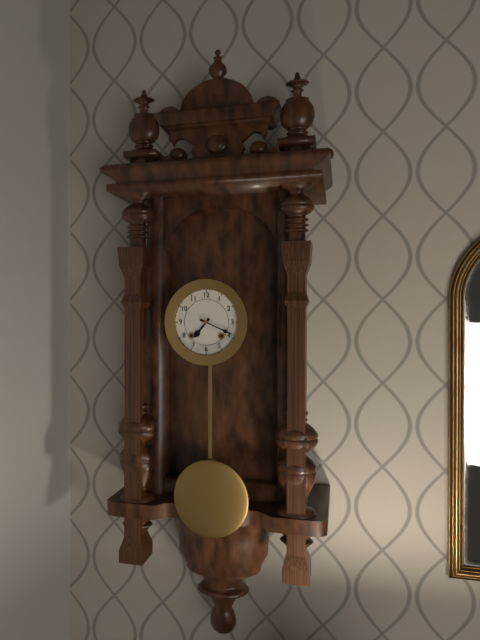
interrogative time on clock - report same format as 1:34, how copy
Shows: 7:19
